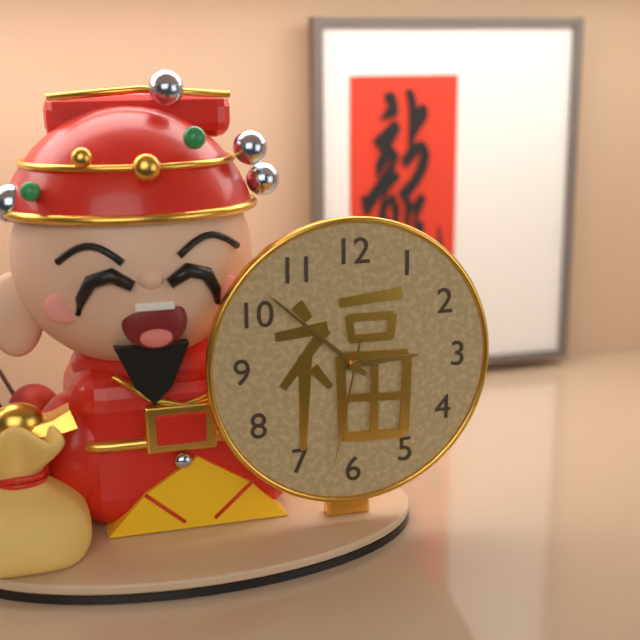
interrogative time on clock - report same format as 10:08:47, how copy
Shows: 2:52:32
